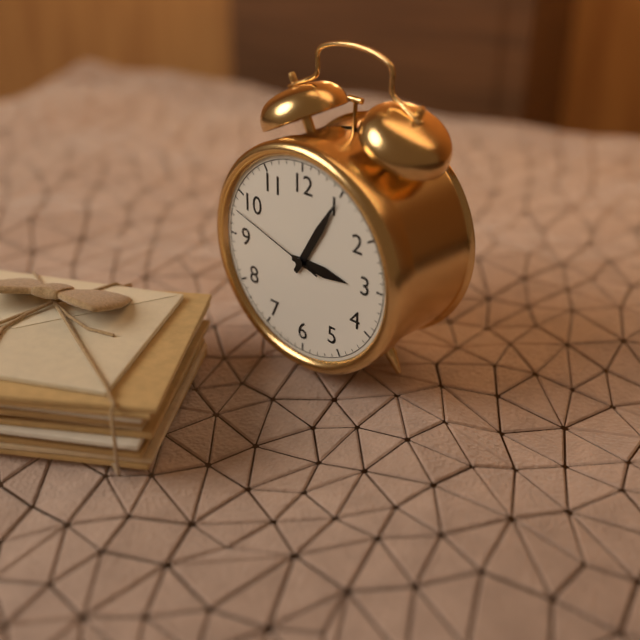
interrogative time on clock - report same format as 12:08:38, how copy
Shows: 3:05:48
